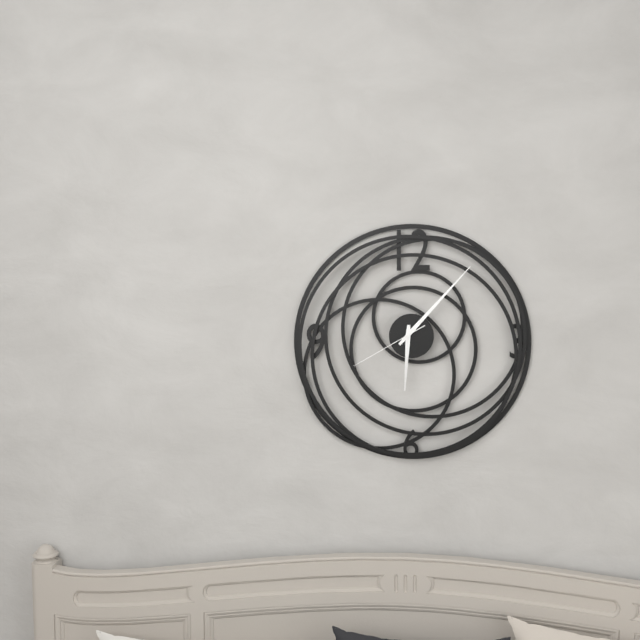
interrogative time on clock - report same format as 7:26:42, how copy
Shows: 6:07:40
